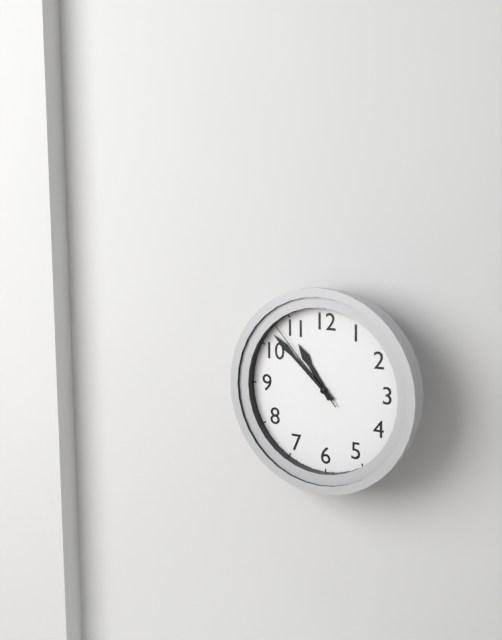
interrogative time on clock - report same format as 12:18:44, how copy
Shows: 10:52:53
